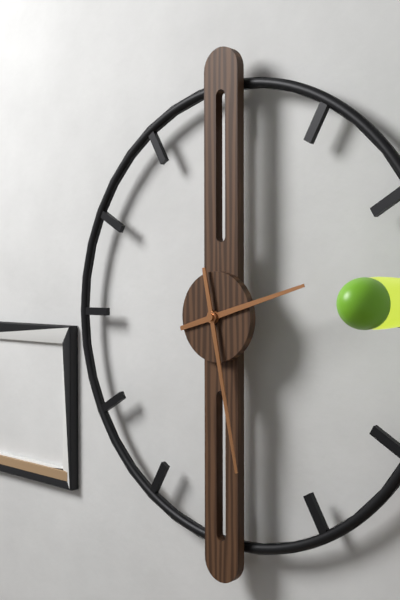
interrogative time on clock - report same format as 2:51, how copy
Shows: 2:28
